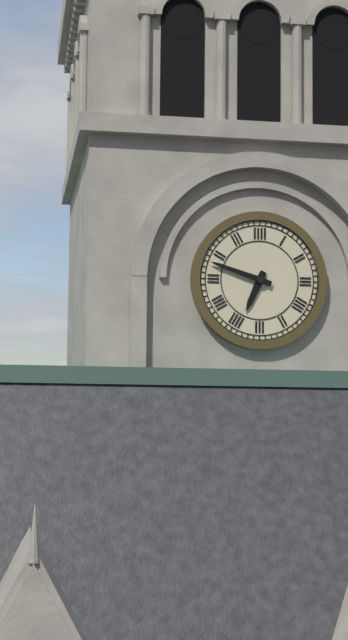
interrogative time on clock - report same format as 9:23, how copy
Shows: 6:48
